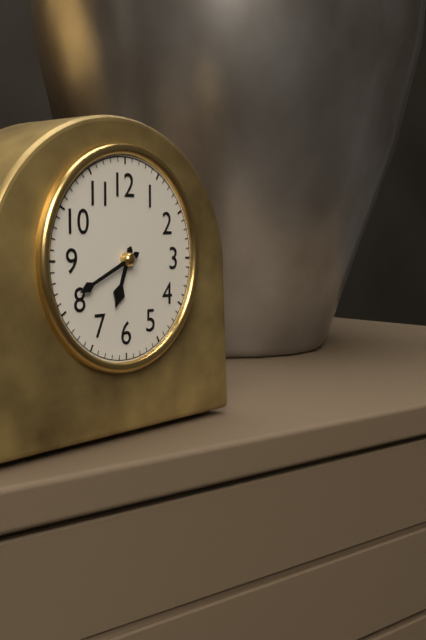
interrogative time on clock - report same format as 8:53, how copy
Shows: 6:41
